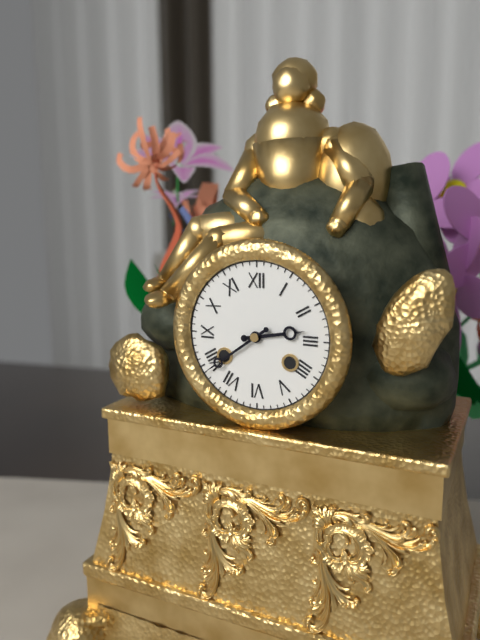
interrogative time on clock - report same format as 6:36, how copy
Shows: 2:39
